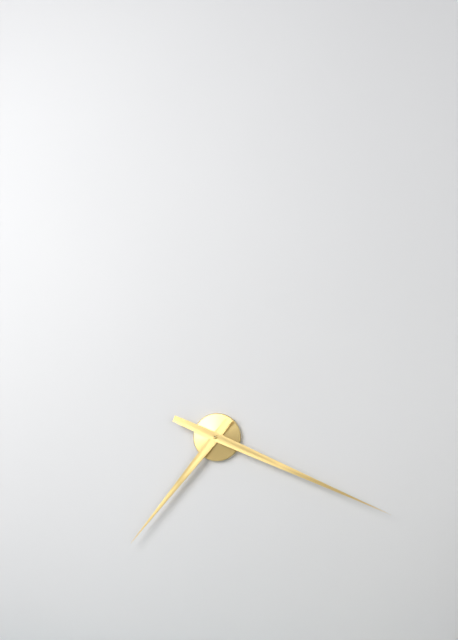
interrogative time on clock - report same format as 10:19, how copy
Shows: 7:19
